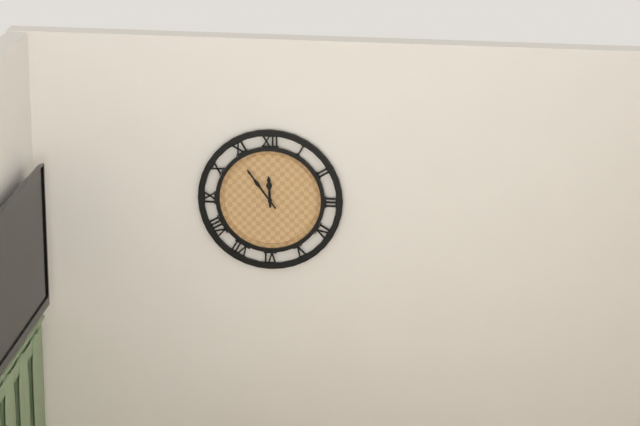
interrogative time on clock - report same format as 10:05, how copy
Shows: 11:54
